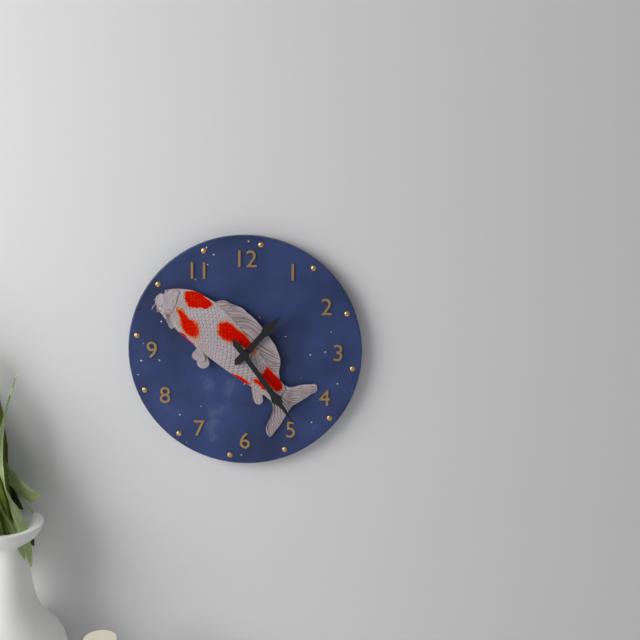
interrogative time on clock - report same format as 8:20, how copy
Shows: 1:24
